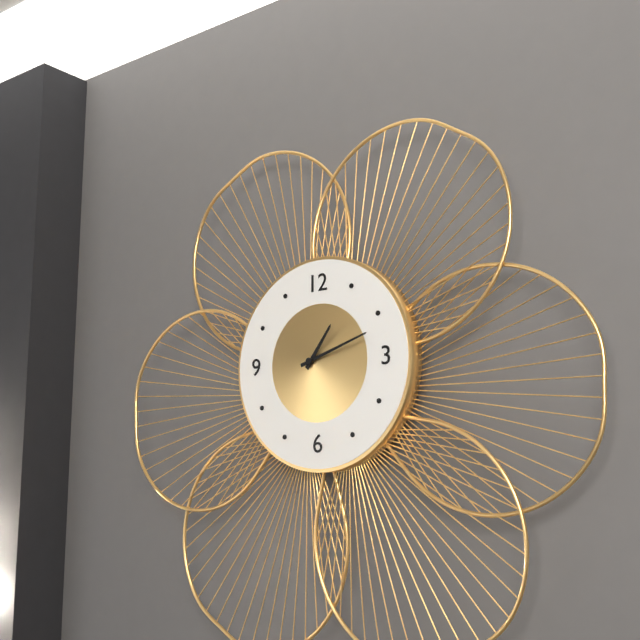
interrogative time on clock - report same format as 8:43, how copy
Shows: 1:12
